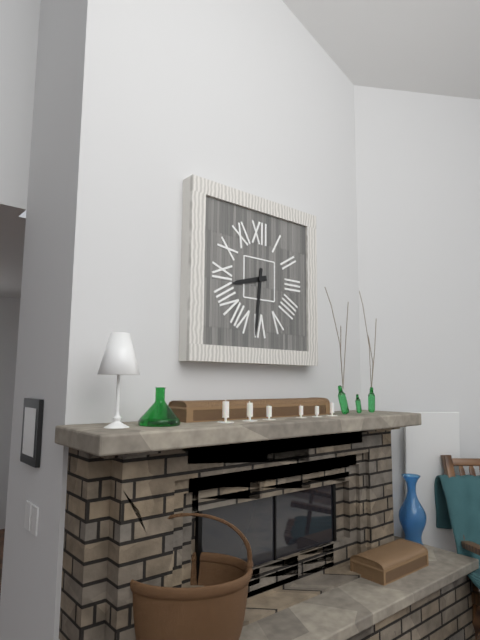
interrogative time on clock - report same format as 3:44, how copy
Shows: 8:31
